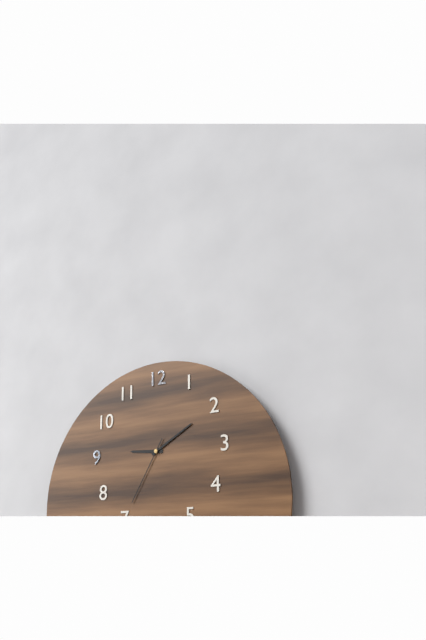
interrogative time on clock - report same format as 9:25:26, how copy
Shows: 9:10:35
